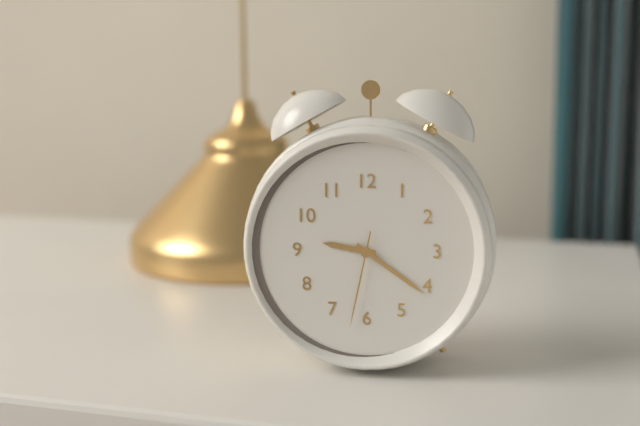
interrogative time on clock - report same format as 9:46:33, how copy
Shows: 9:21:32
